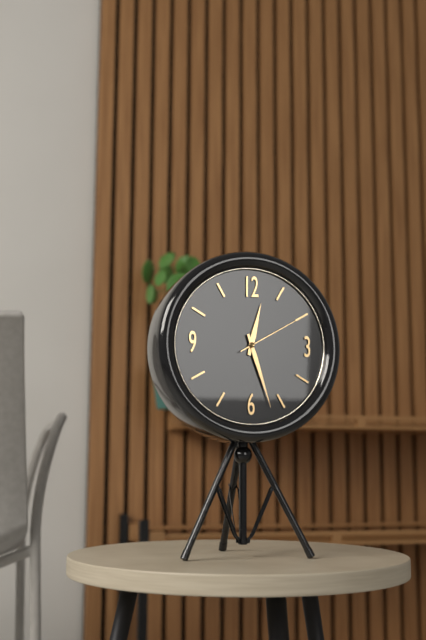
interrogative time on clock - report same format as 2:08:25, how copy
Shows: 12:27:10
